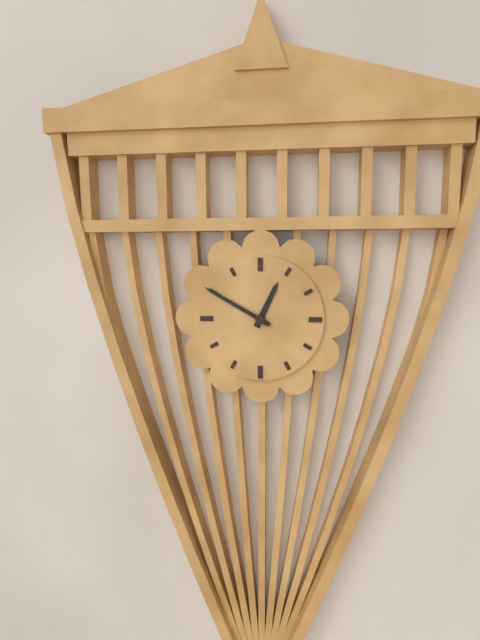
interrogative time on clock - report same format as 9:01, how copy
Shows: 12:50
